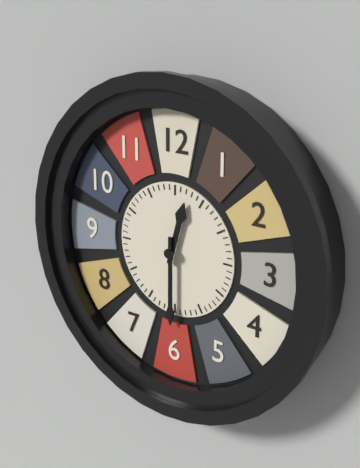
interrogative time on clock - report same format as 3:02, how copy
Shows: 12:30
